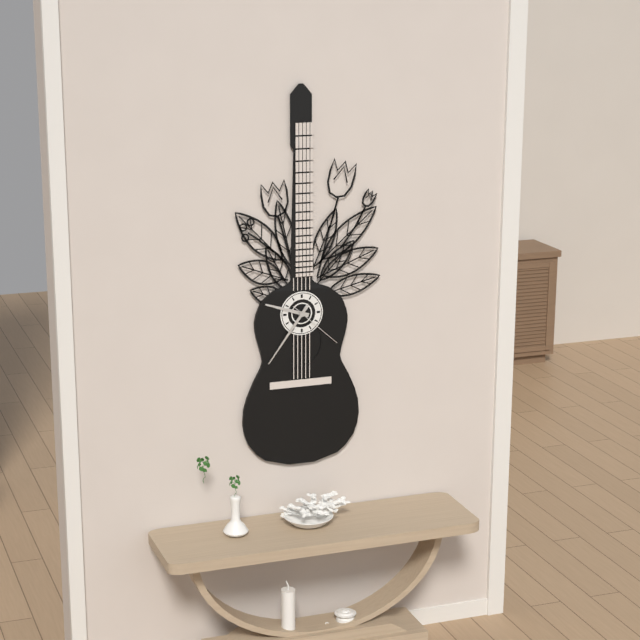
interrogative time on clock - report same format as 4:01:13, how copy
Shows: 9:36:22
